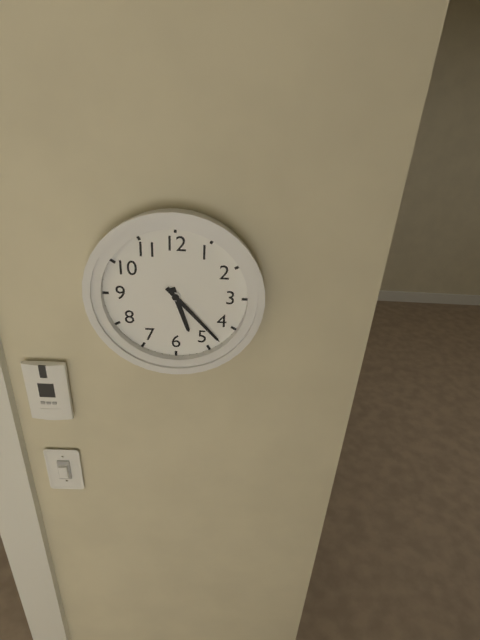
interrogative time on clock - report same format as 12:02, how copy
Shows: 5:23
